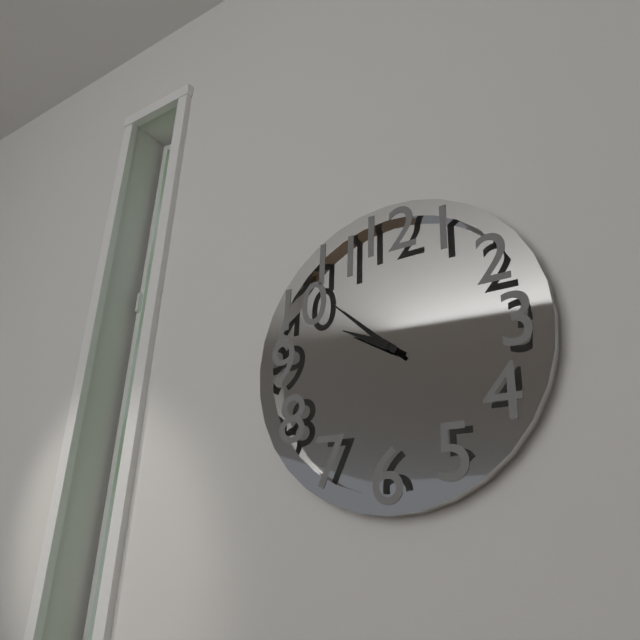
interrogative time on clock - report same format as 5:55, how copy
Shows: 9:52
